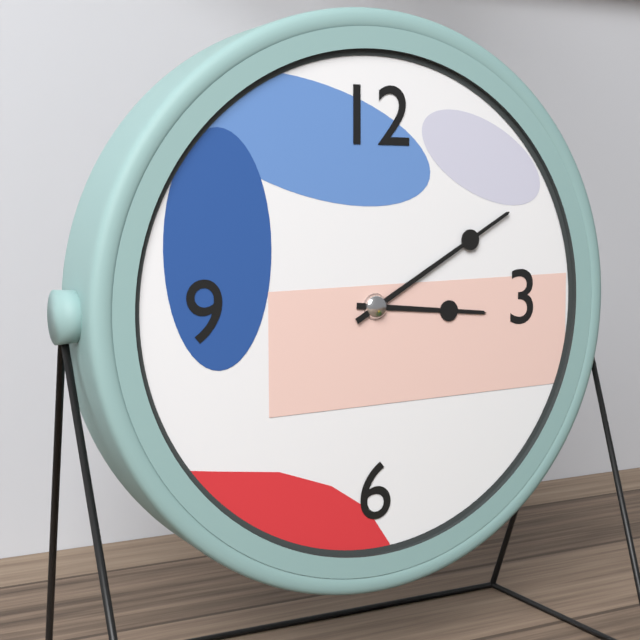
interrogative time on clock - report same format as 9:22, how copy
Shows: 3:10
